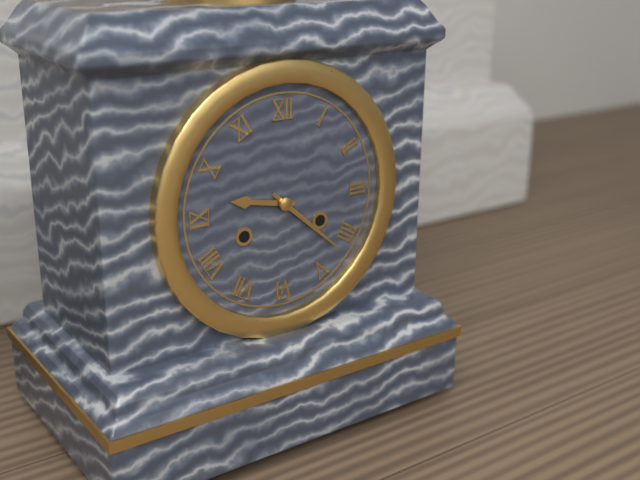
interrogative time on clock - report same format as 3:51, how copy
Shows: 9:22
